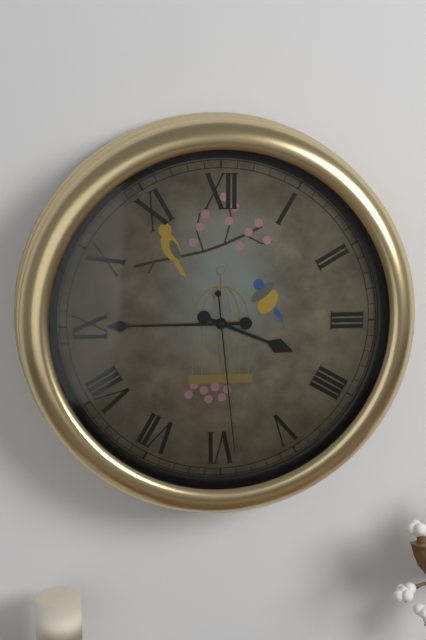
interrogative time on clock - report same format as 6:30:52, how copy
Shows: 3:45:29
